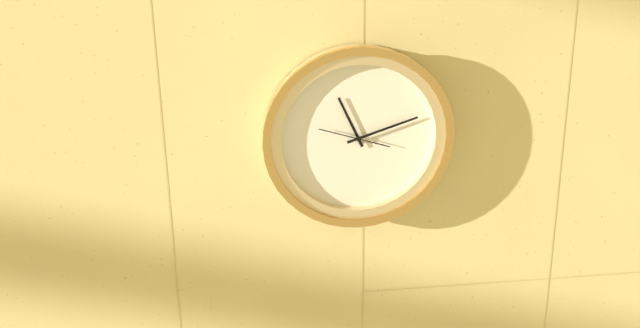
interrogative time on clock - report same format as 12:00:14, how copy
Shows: 11:12:48
